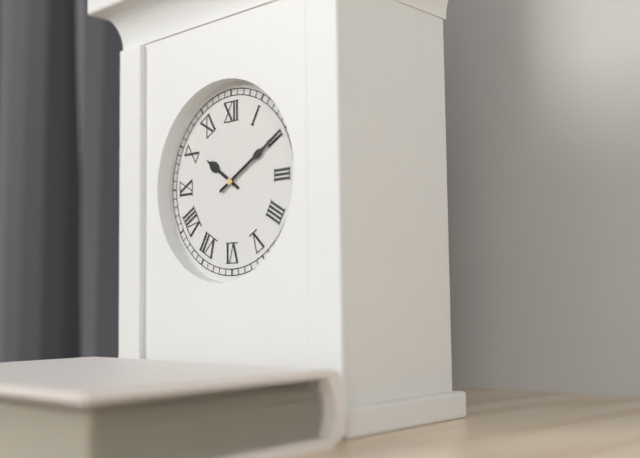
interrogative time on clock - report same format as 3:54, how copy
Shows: 10:10
